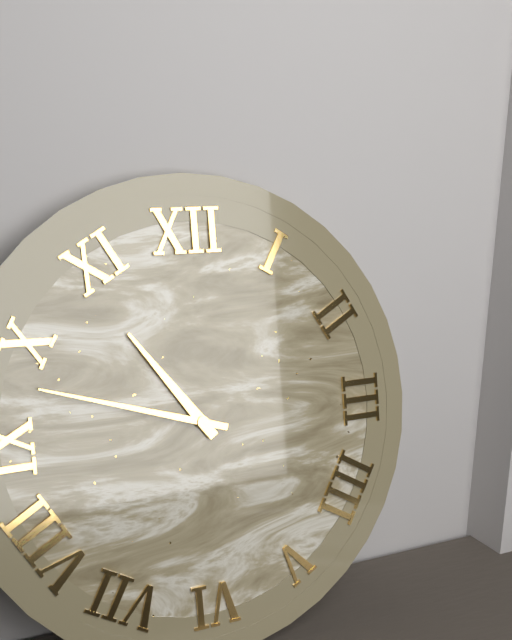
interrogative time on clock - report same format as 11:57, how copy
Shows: 10:48
